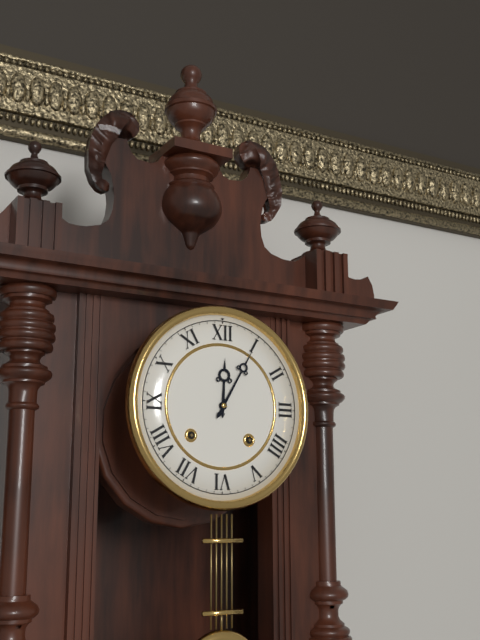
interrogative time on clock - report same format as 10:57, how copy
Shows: 12:05
